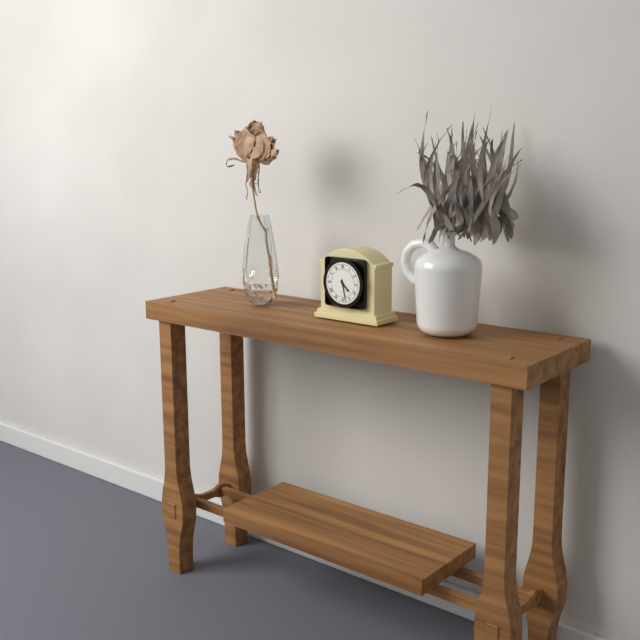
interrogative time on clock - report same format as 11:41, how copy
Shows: 4:28
